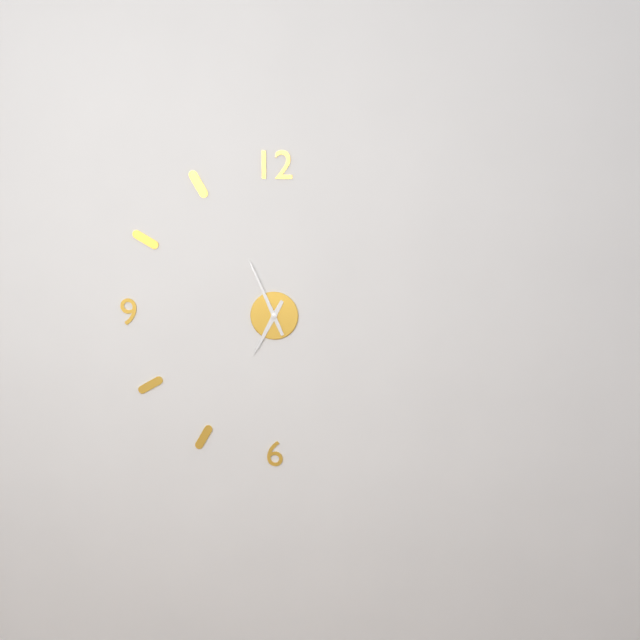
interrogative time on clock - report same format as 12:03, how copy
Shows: 6:56
